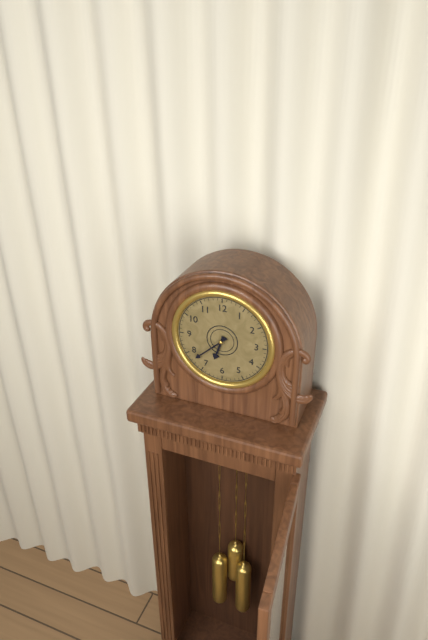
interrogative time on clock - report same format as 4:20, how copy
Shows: 6:38
